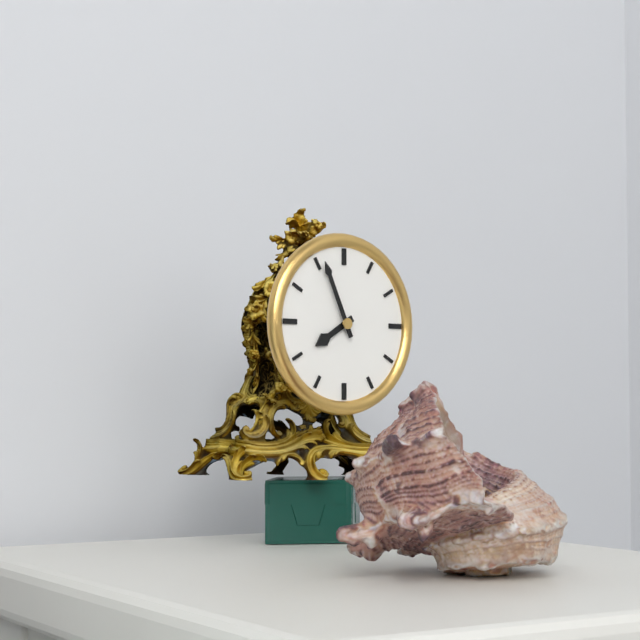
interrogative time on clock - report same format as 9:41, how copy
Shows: 7:56
